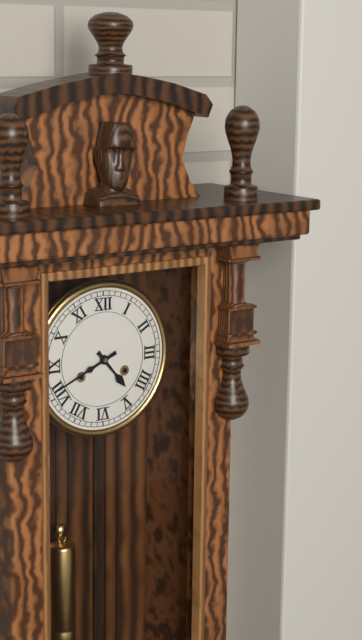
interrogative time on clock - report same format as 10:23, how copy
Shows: 4:41
